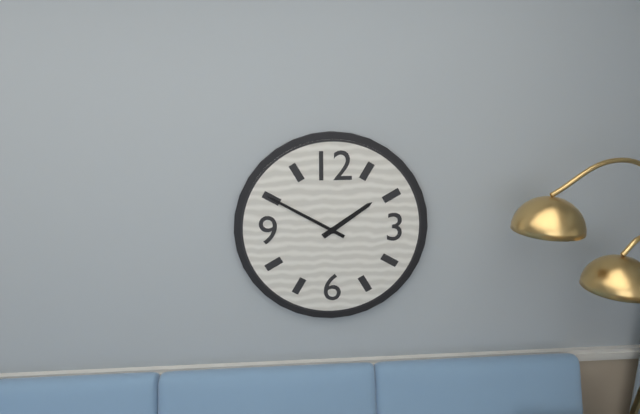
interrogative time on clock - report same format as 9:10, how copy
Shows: 1:50
